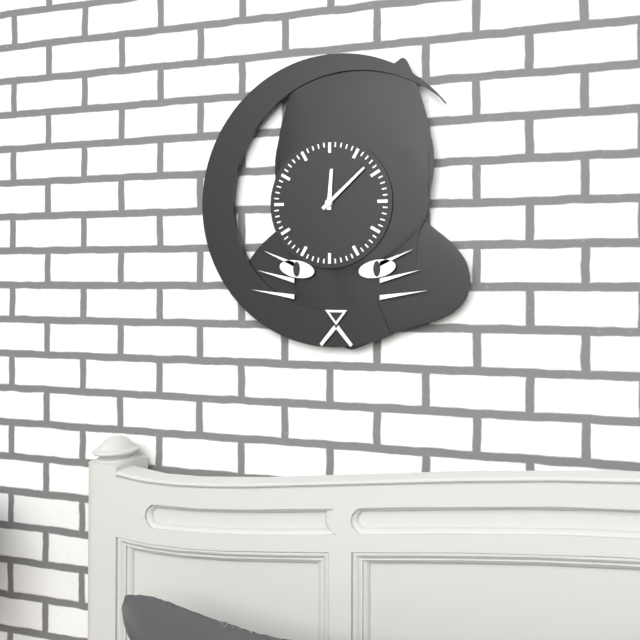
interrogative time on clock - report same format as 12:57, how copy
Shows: 12:08
